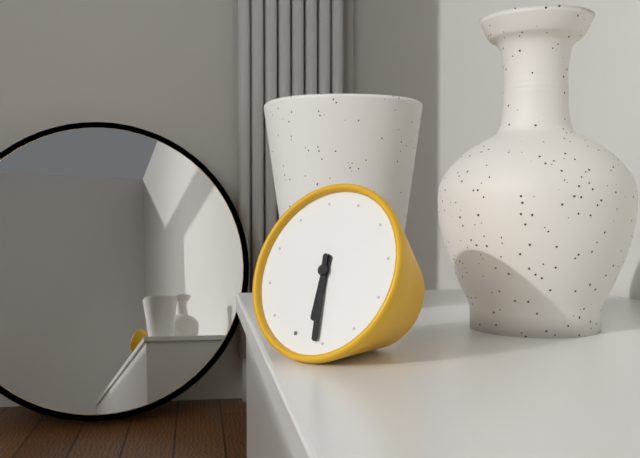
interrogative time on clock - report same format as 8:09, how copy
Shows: 5:26
